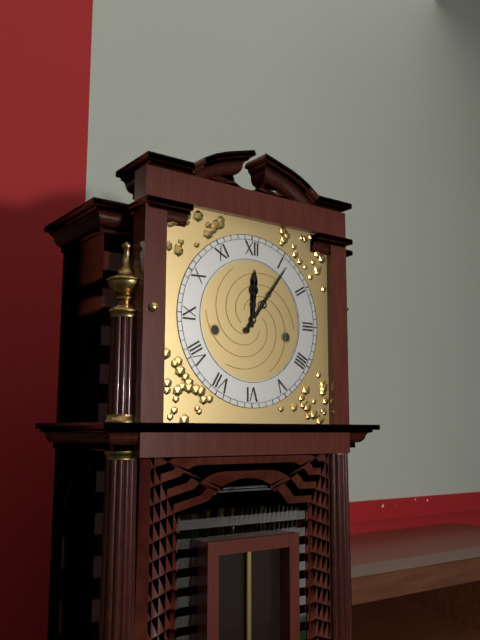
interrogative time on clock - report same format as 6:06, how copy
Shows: 12:06
